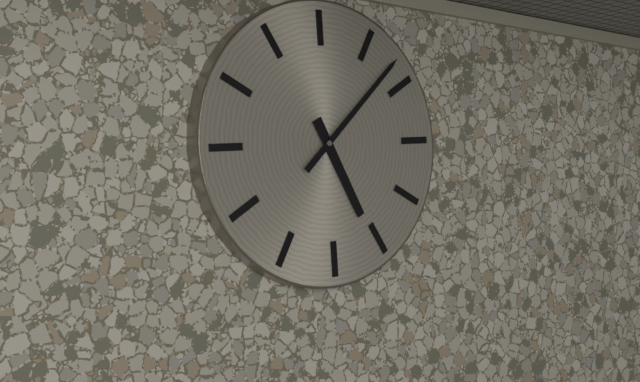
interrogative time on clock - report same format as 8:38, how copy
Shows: 5:08
